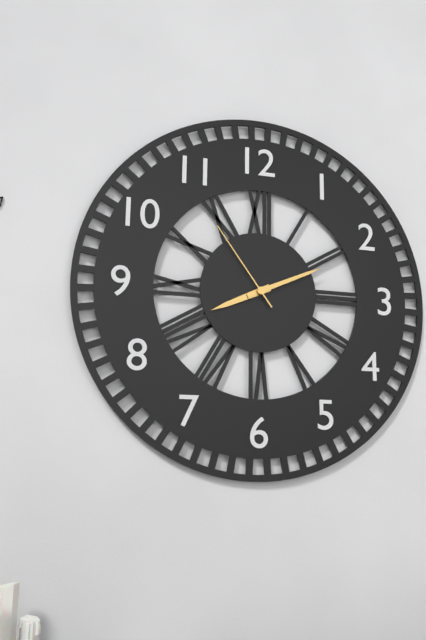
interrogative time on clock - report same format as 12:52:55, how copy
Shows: 8:11:54
